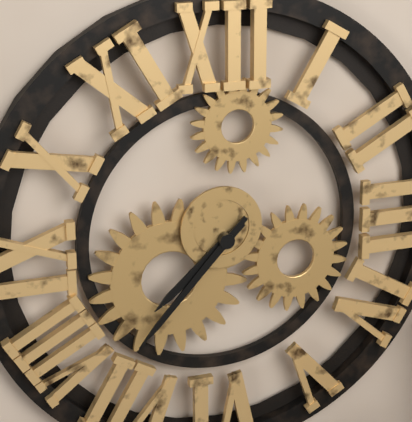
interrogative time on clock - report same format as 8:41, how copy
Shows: 7:37
